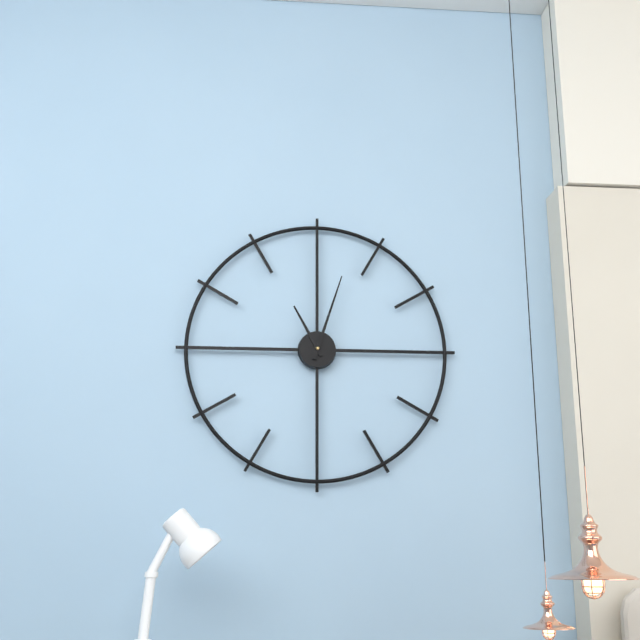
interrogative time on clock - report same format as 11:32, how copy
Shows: 11:03
